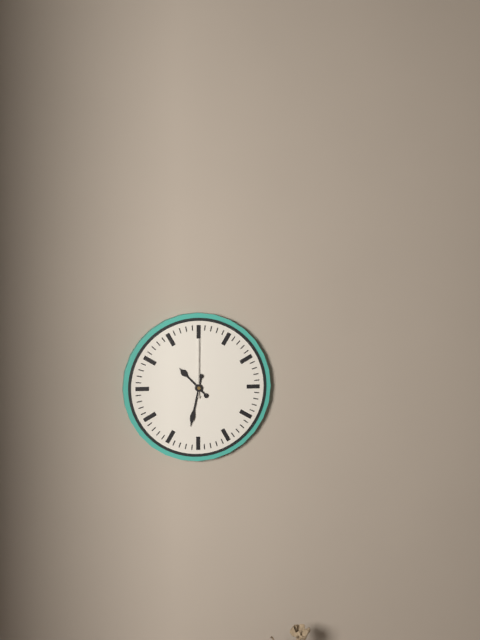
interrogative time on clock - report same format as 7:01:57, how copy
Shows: 10:32:00
